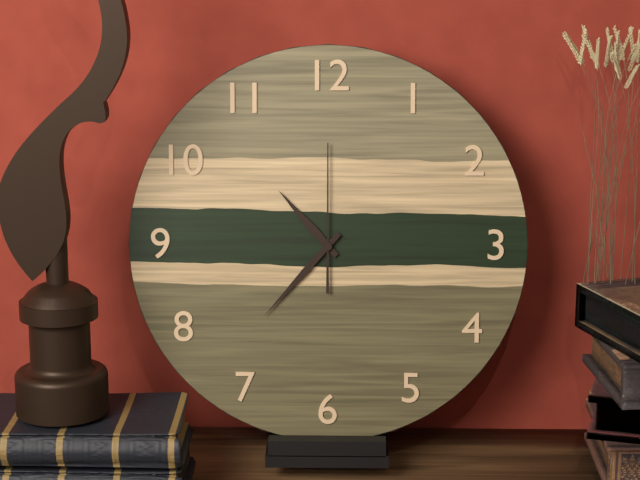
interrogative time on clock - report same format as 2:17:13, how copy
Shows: 10:37:00
